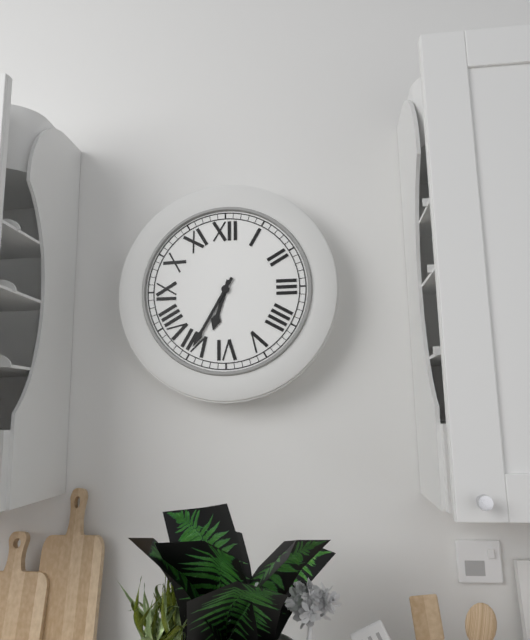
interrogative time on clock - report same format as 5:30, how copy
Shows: 6:35
